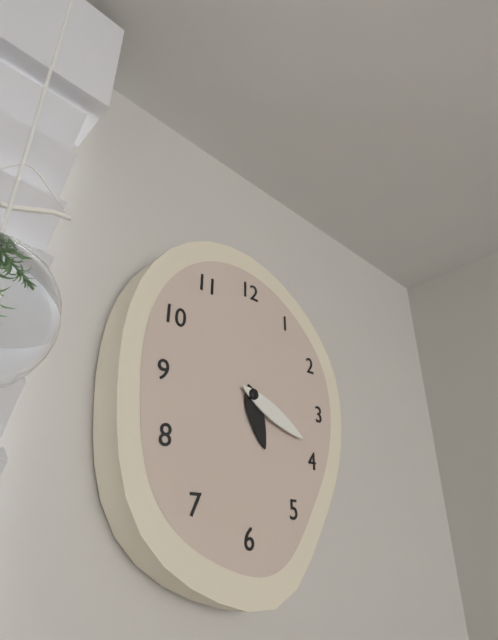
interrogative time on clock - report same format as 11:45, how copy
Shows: 5:19
